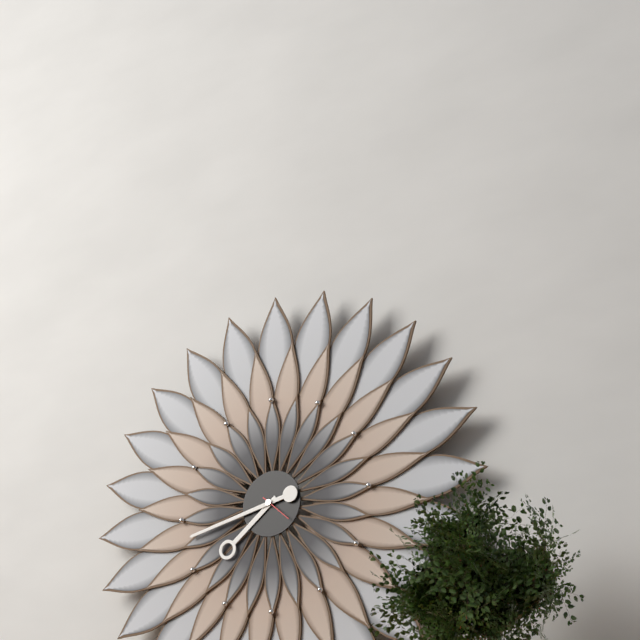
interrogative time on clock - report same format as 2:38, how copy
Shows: 7:43
